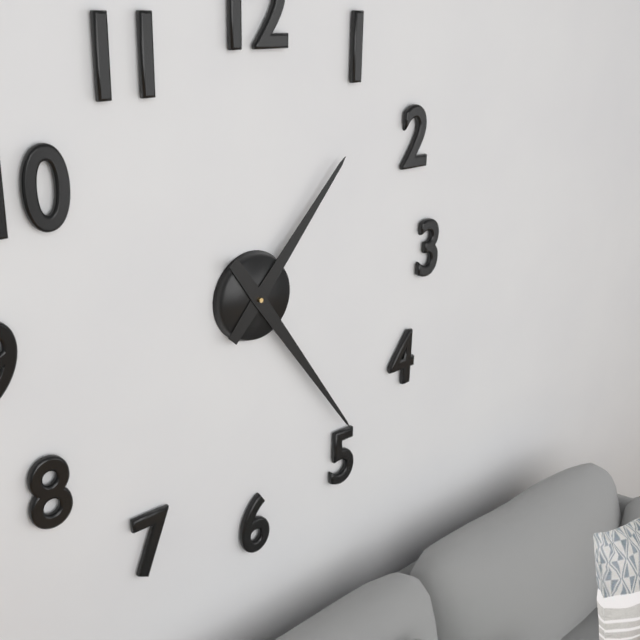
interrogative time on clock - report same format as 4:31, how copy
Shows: 1:24
